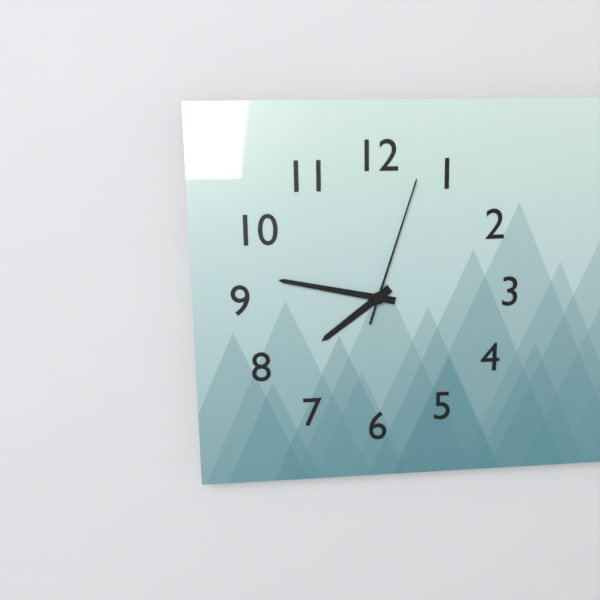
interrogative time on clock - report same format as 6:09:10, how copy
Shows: 7:47:03
